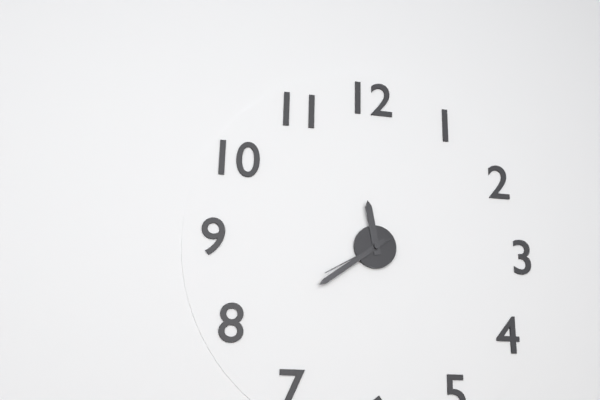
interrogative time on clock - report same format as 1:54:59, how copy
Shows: 11:39:40
